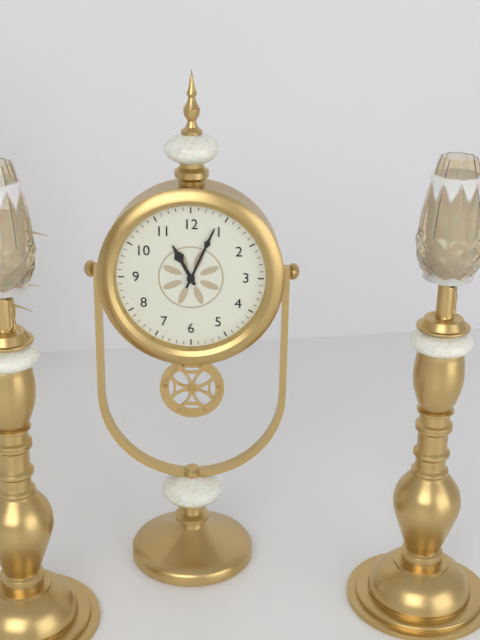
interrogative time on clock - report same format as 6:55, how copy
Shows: 11:04
